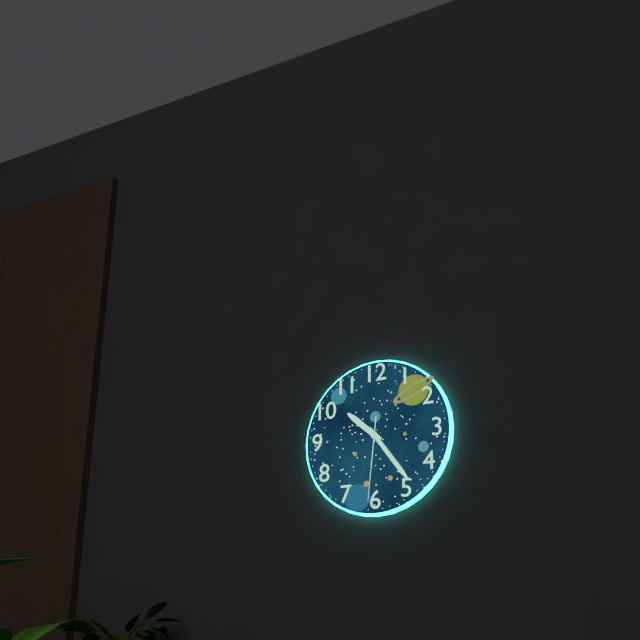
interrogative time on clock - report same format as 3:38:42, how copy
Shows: 10:24:31
